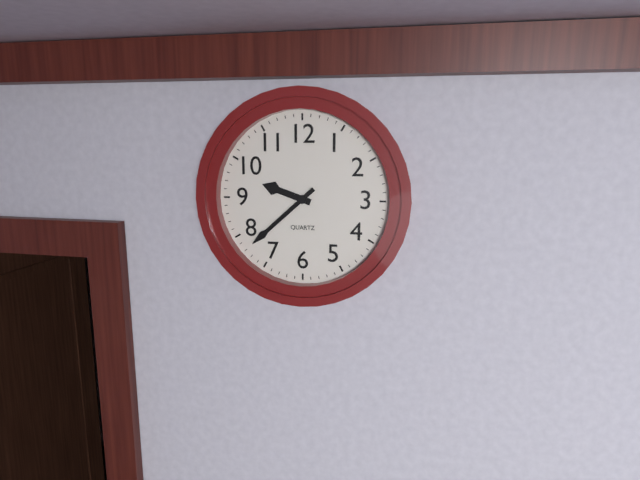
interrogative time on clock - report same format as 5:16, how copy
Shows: 9:38
